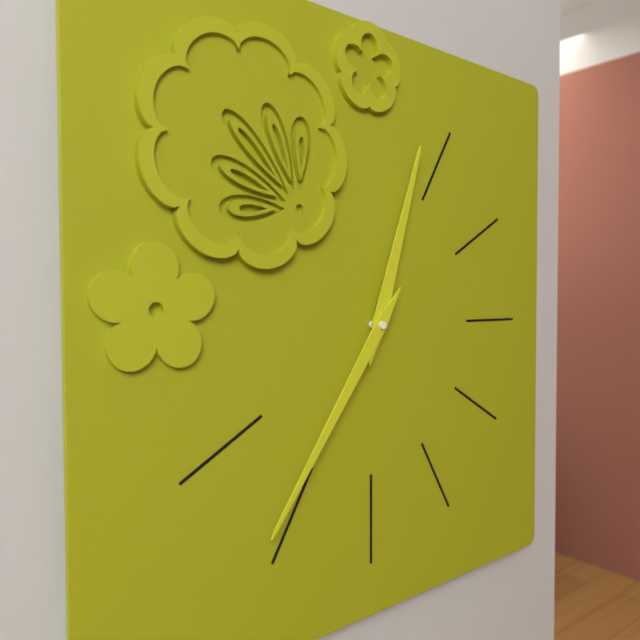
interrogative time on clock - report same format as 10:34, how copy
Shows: 12:36
